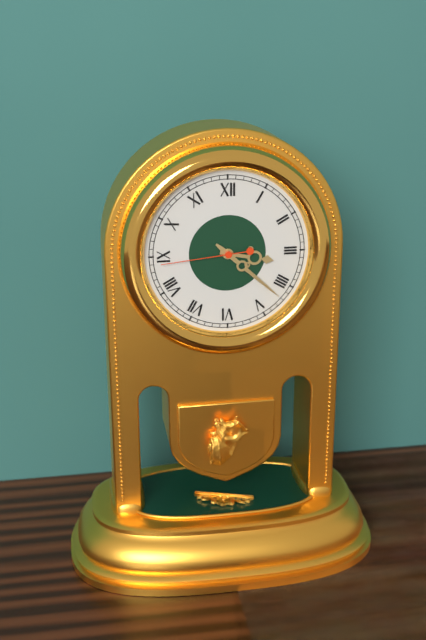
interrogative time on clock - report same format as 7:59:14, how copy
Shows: 3:22:44
